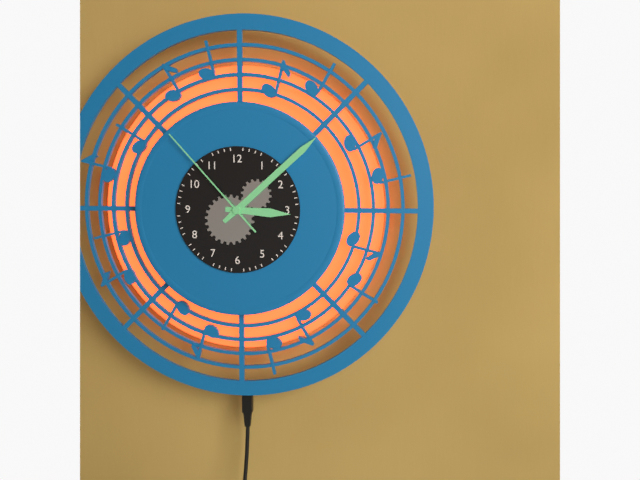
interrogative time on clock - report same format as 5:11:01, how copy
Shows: 3:08:53
